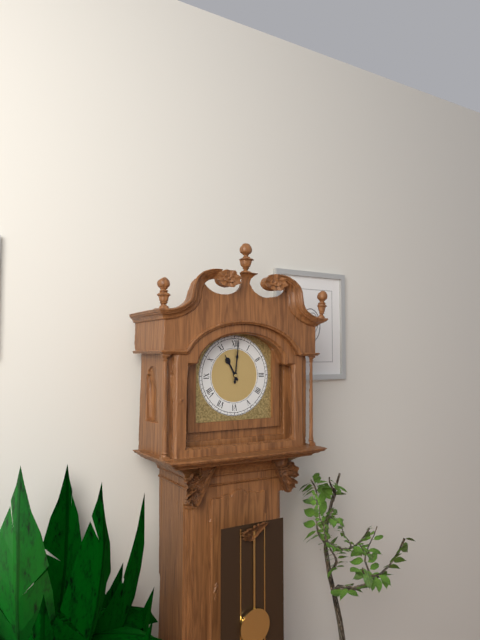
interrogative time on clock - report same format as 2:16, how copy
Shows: 11:01
